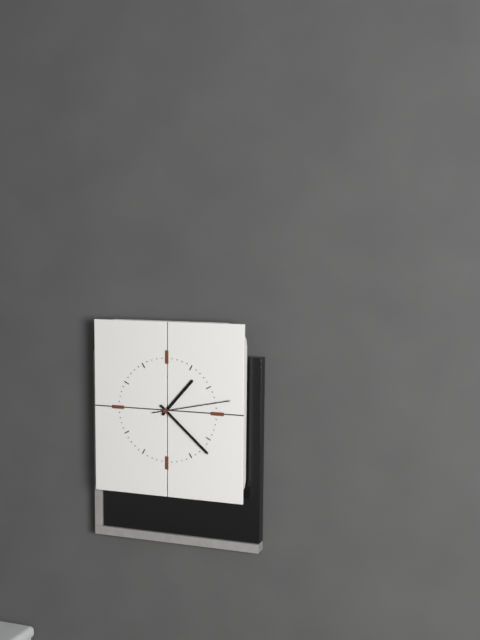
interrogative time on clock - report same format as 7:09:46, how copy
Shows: 1:22:13
